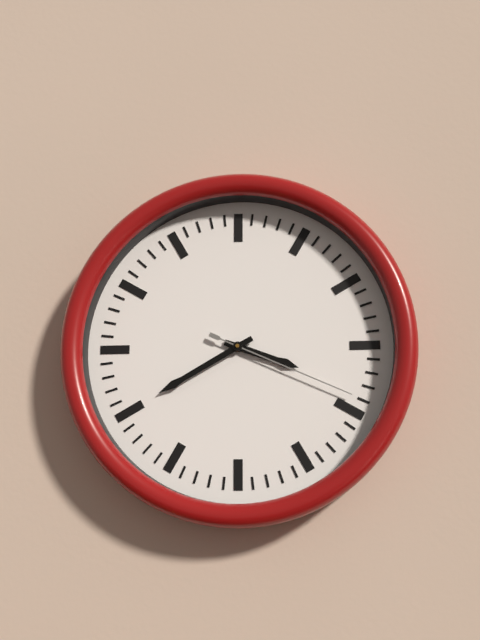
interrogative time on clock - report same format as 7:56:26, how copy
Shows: 3:40:19
